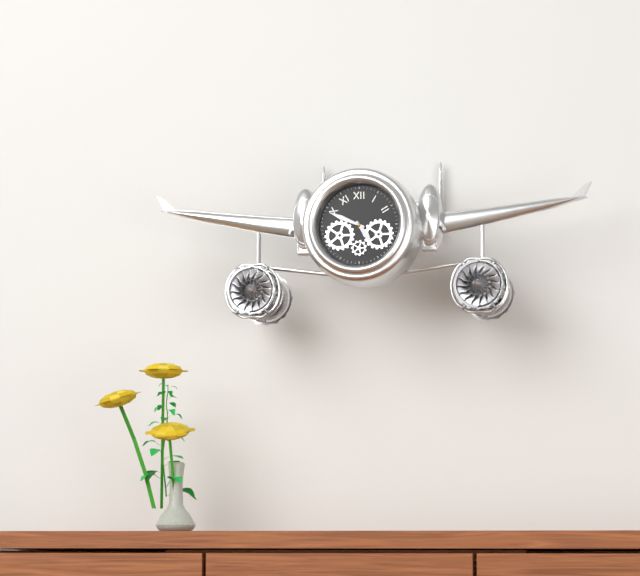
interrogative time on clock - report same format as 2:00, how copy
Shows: 4:49
